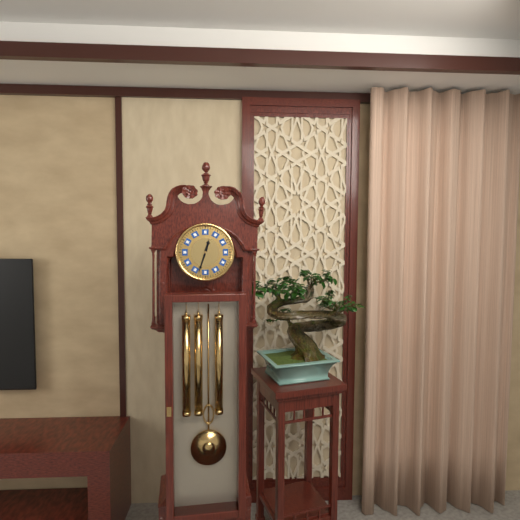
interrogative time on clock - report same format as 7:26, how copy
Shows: 12:33
